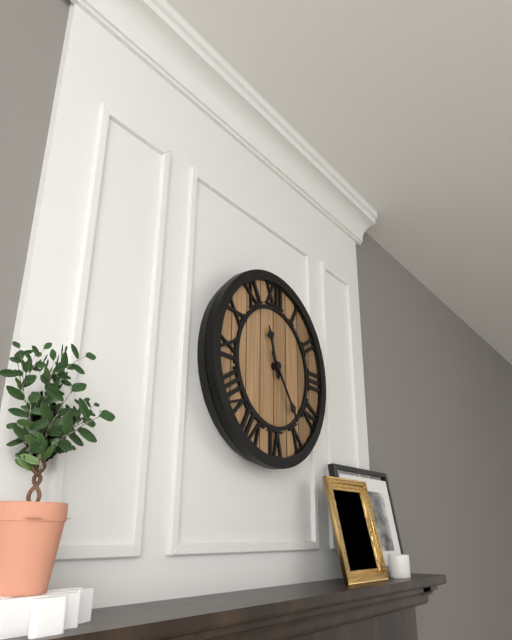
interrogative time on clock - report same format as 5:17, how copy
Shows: 11:24
